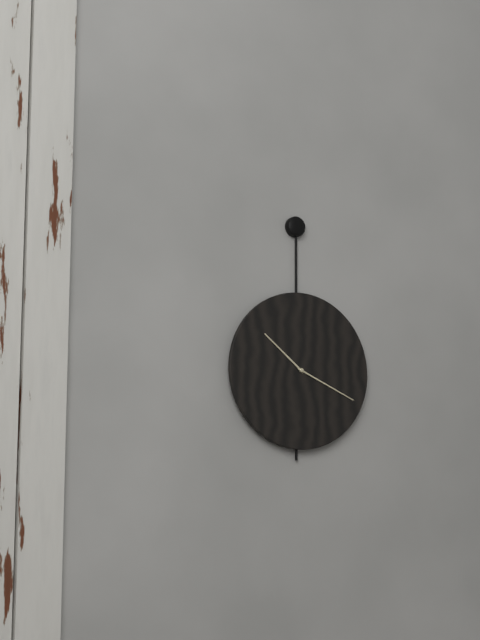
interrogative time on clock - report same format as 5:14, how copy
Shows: 10:19
